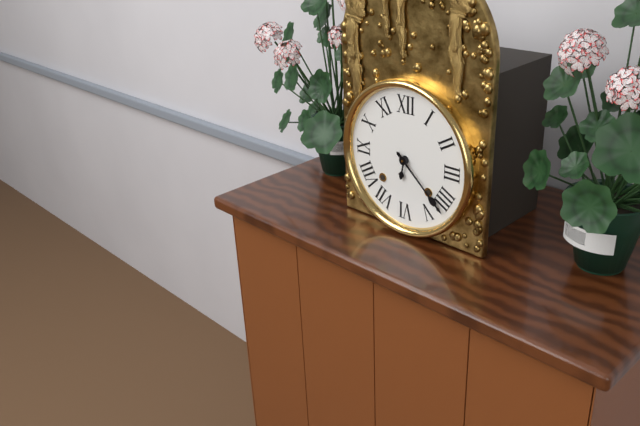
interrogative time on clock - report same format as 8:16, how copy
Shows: 6:22
